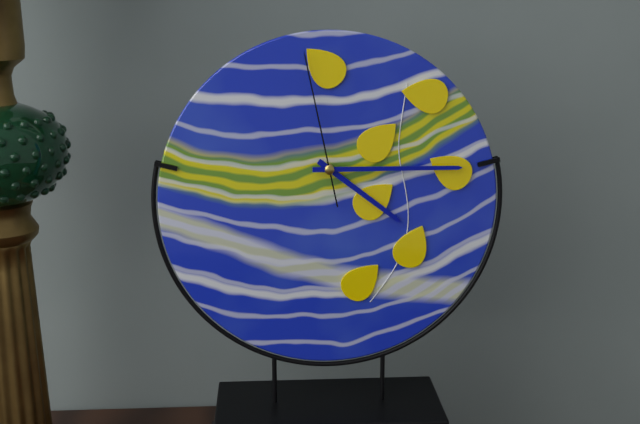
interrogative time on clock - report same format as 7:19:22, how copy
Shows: 4:15:58
